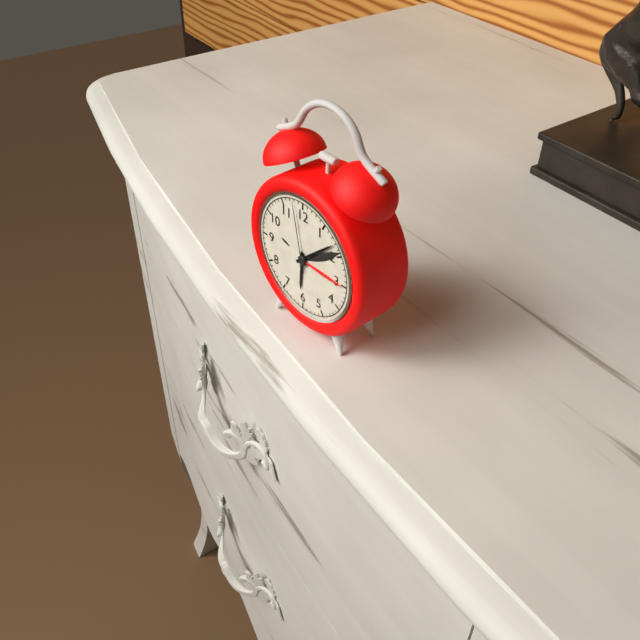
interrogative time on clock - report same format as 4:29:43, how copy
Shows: 6:08:58
